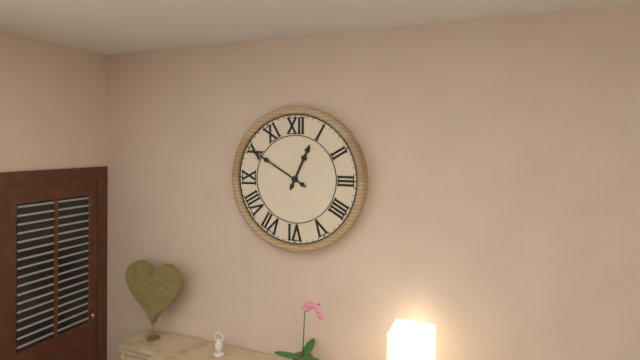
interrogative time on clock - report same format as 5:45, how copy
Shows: 12:50
